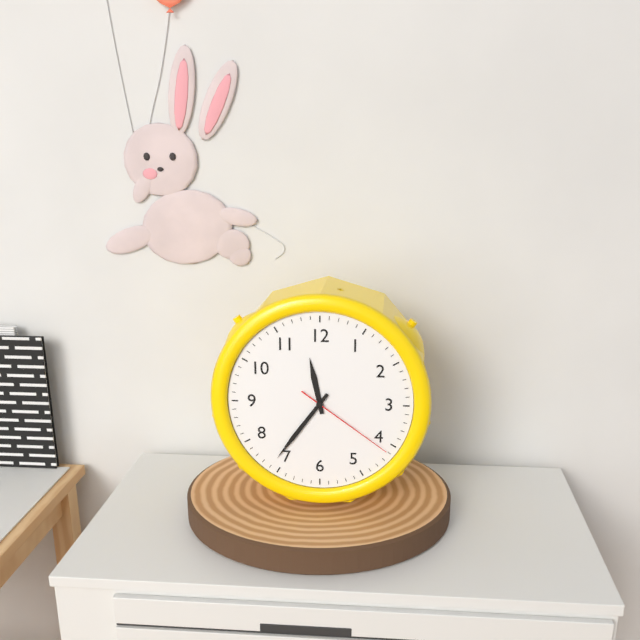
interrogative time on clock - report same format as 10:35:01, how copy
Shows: 11:36:21
